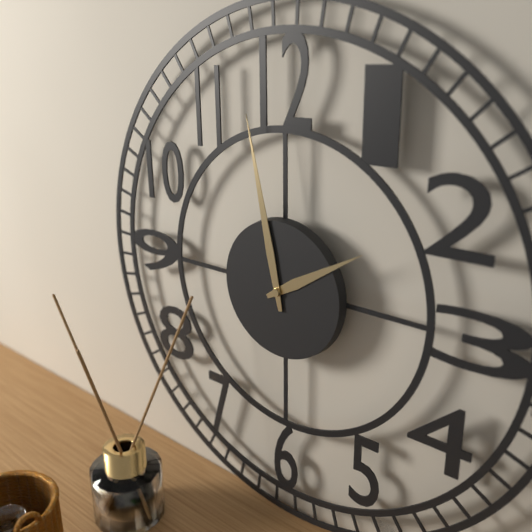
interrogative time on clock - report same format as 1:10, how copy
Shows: 1:58
